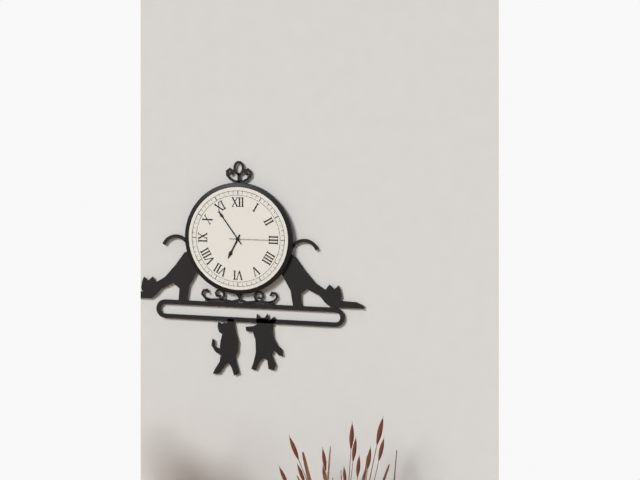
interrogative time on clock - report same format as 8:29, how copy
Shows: 6:54
